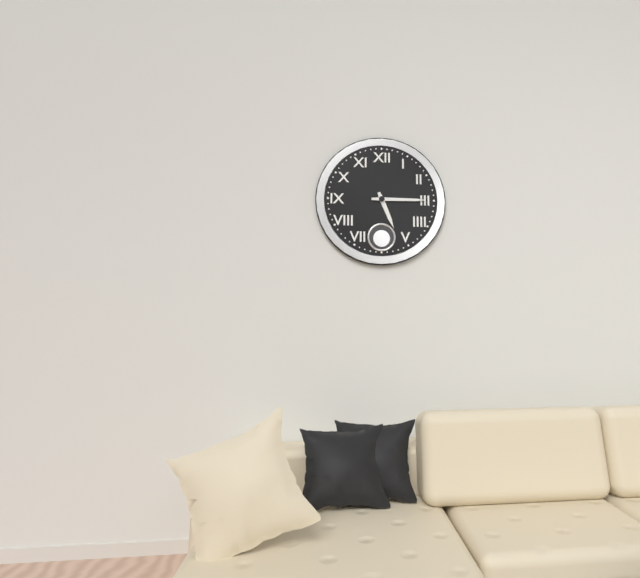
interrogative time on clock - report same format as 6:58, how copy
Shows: 5:15
